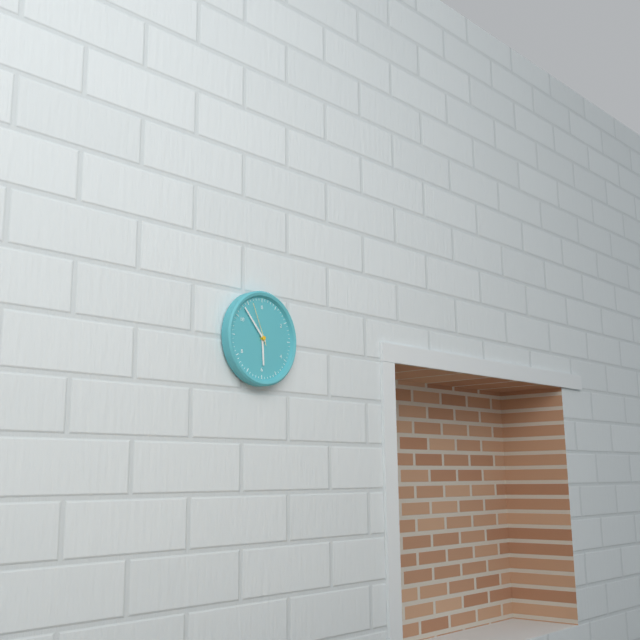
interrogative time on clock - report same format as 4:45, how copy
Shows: 5:53
